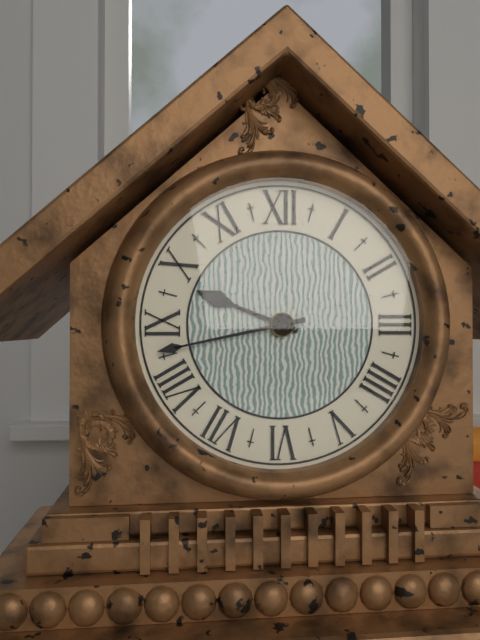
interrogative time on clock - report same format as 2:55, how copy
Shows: 9:43
